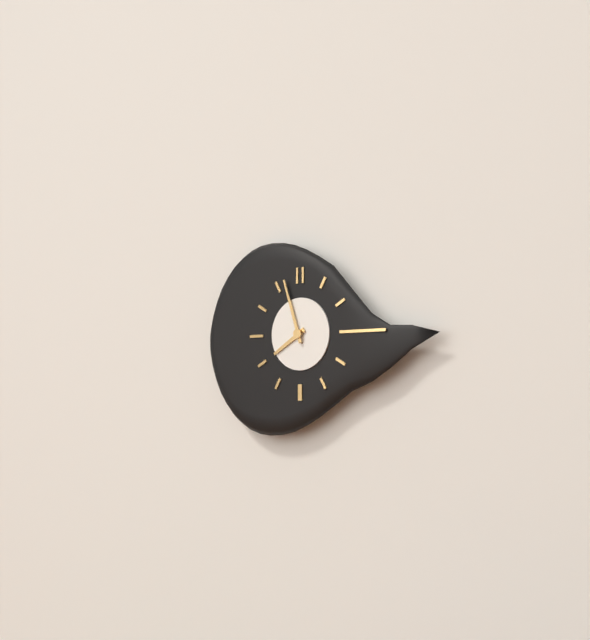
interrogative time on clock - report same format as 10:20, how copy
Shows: 7:57
